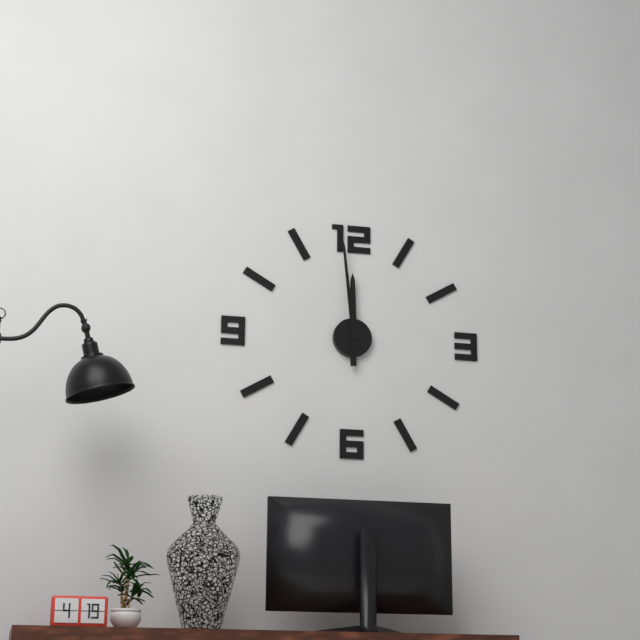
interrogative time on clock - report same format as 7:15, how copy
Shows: 11:59
